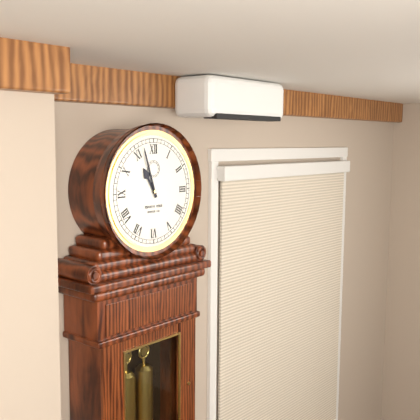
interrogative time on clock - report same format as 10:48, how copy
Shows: 10:57
